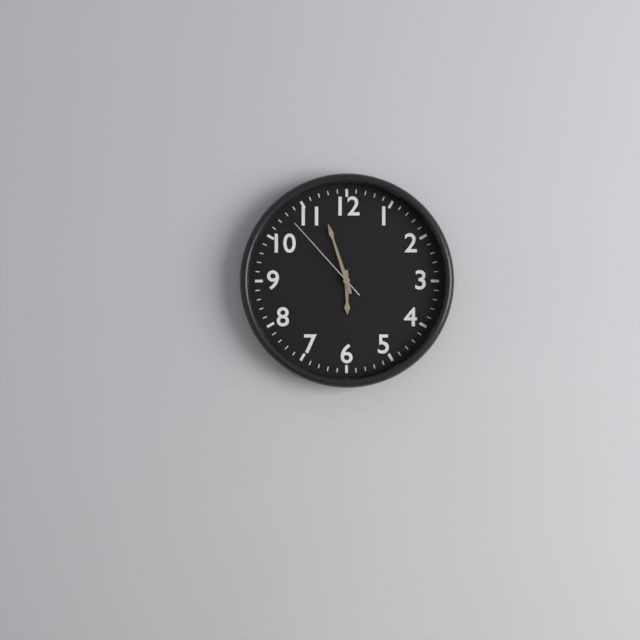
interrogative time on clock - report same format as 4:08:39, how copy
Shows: 5:57:53
